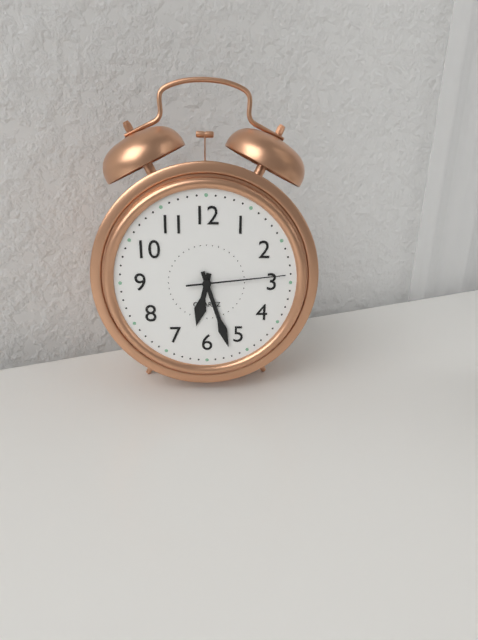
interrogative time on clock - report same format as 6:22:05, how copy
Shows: 6:27:14
